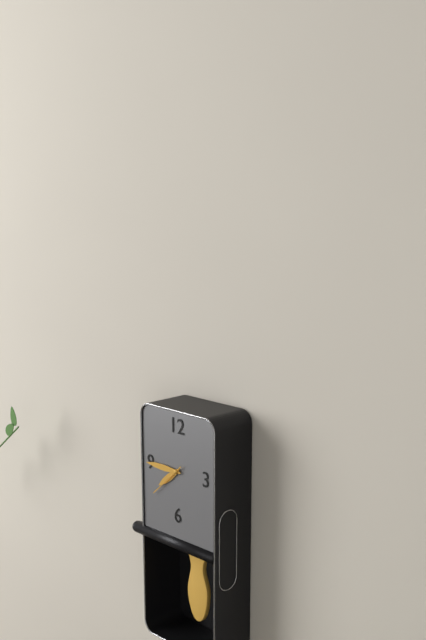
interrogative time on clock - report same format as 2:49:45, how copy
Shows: 7:45:38
